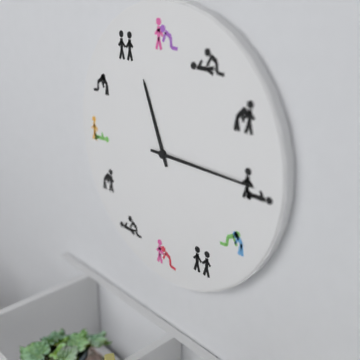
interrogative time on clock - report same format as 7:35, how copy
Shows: 11:15
